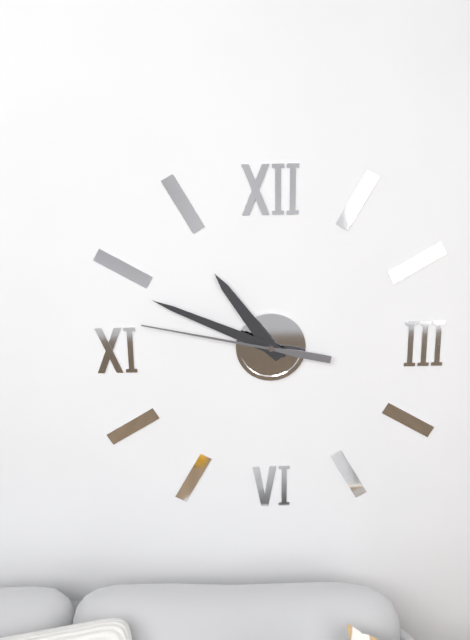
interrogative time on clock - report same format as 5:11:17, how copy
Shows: 10:49:47
